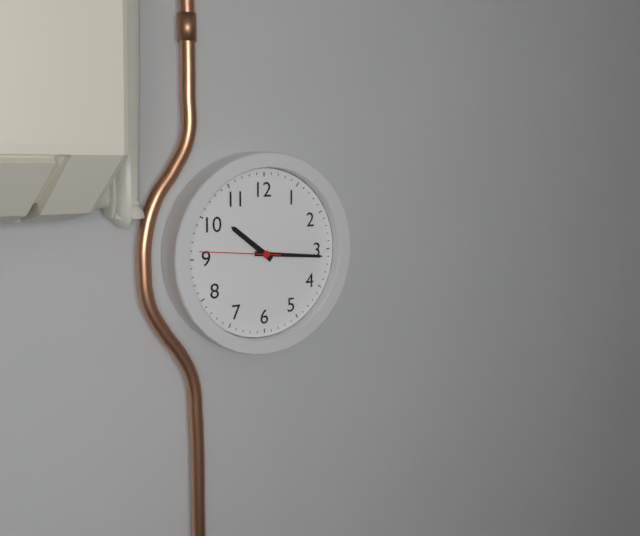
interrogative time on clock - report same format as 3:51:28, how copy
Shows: 10:16:46
